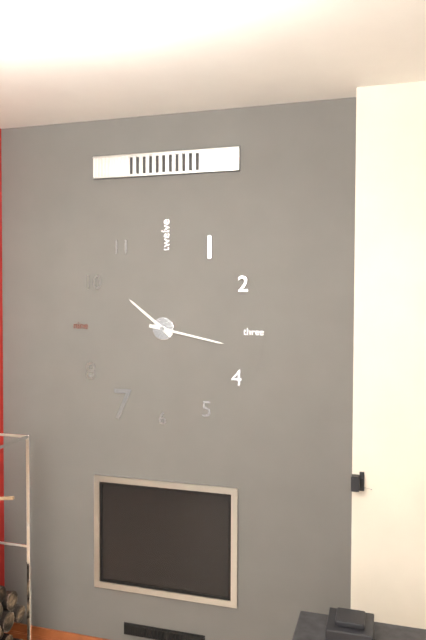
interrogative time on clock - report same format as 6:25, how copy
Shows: 10:17
